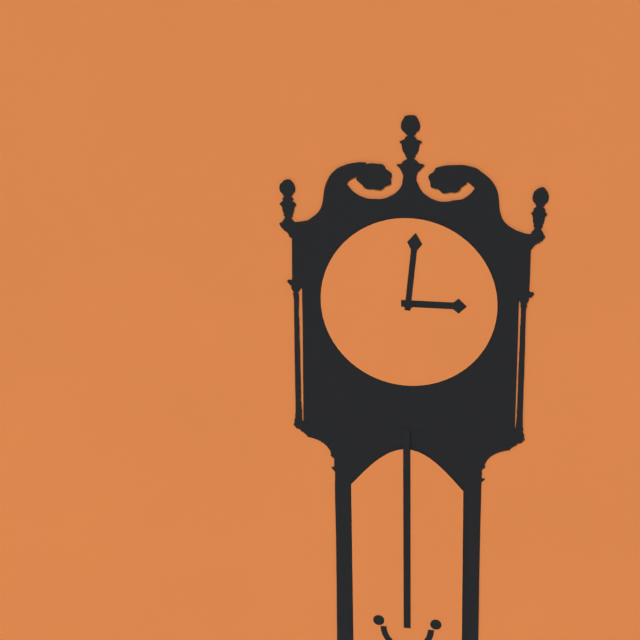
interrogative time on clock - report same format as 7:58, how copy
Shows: 3:01
